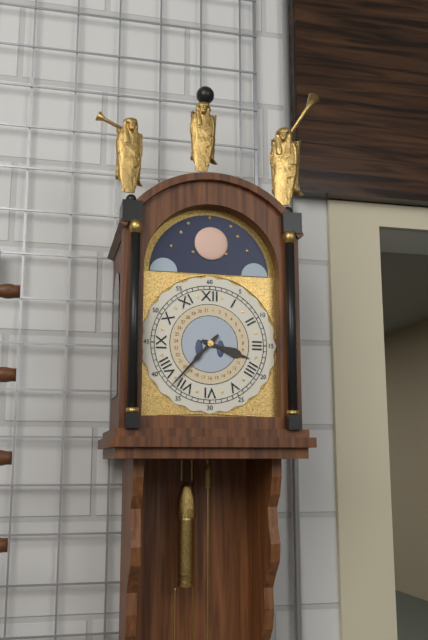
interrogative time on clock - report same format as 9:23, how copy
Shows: 3:37
